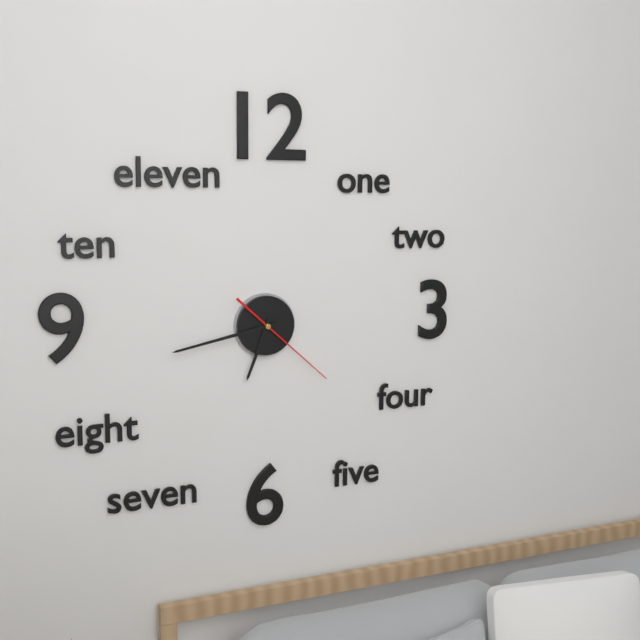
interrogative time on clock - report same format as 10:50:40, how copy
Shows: 6:43:22
